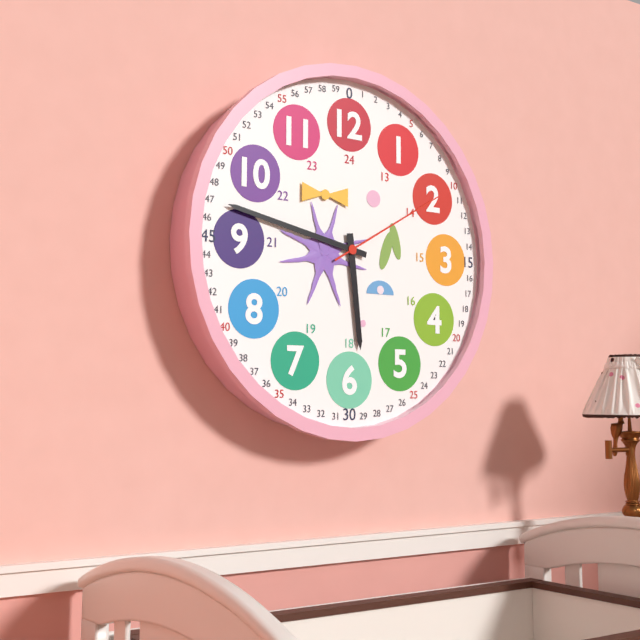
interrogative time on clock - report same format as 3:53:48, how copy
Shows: 5:47:10
